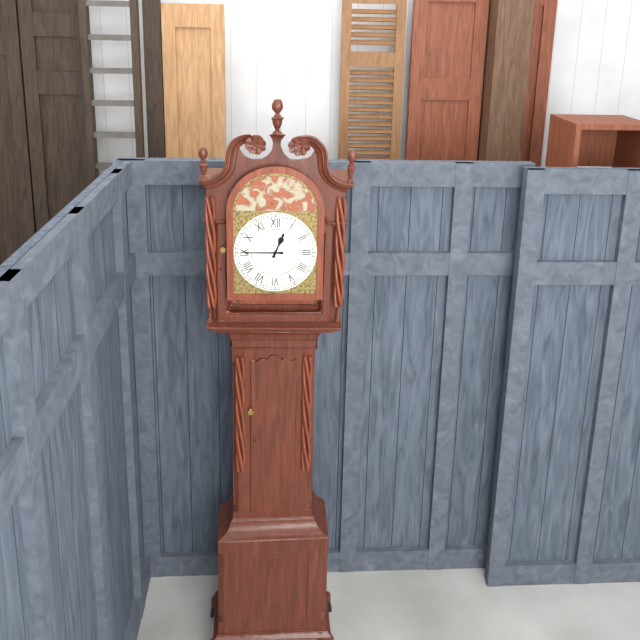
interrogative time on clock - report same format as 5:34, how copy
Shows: 12:45
